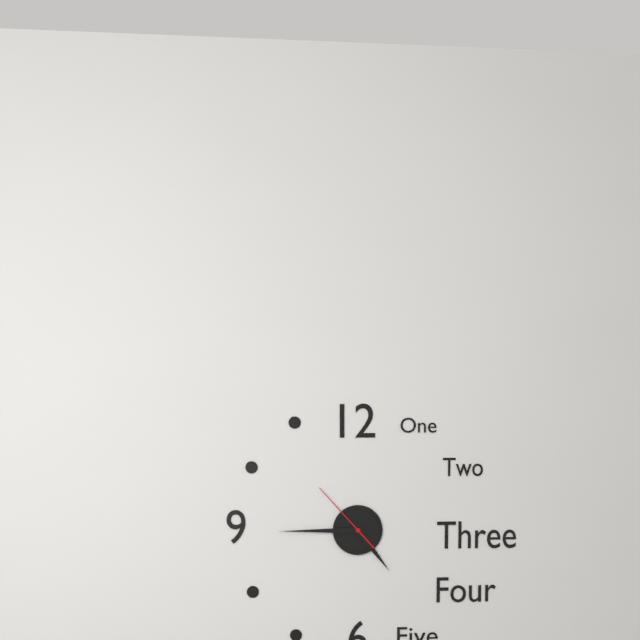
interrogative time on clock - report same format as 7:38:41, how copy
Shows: 4:45:53
